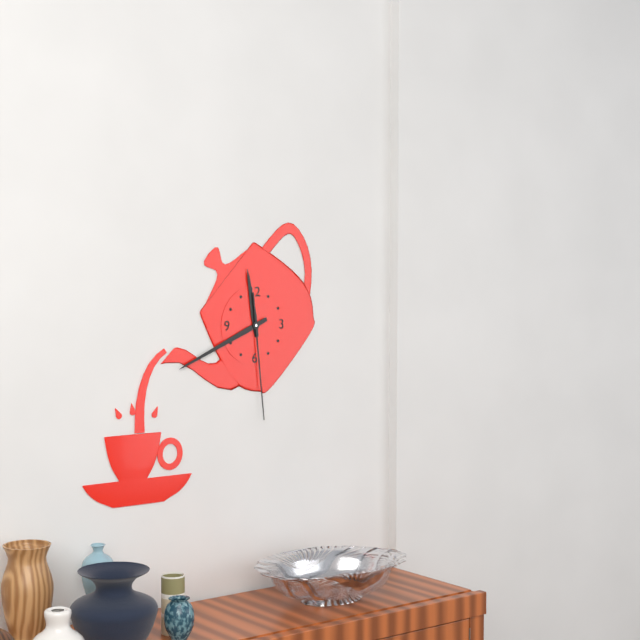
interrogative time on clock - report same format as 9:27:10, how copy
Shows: 11:41:29
